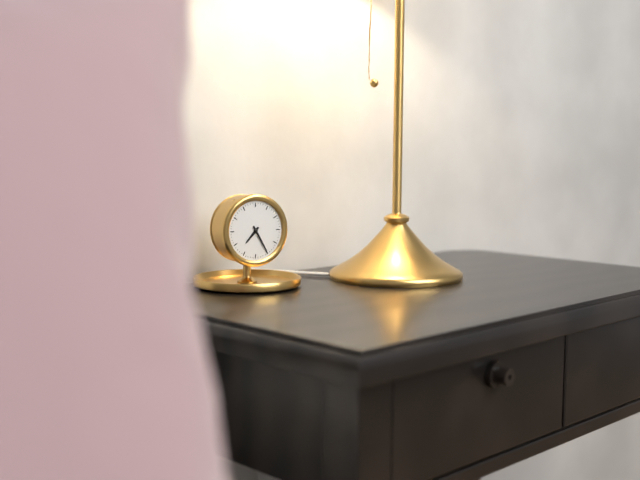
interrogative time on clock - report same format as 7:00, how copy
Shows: 7:25
